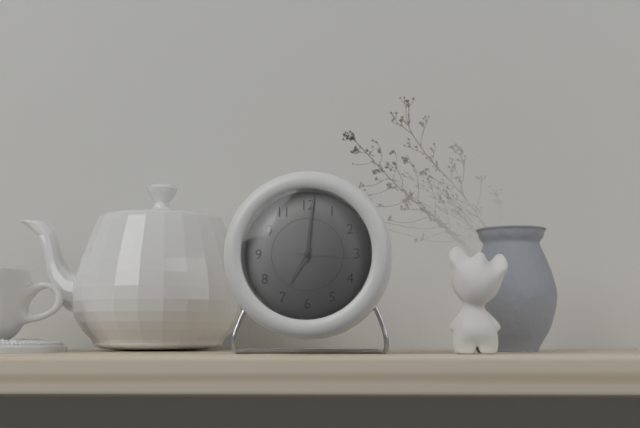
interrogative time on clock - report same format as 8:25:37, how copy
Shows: 7:01:16
